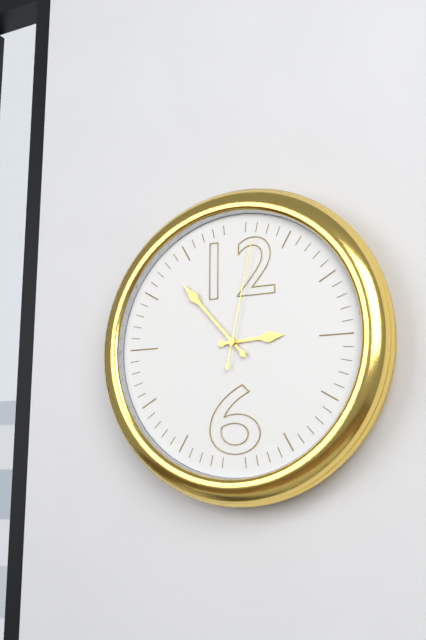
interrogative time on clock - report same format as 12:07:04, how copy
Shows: 2:53:02
